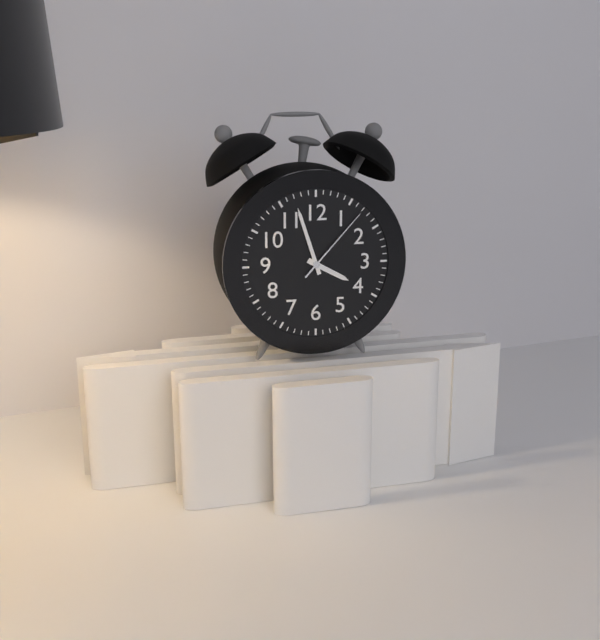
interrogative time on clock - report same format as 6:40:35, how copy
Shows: 3:57:07
